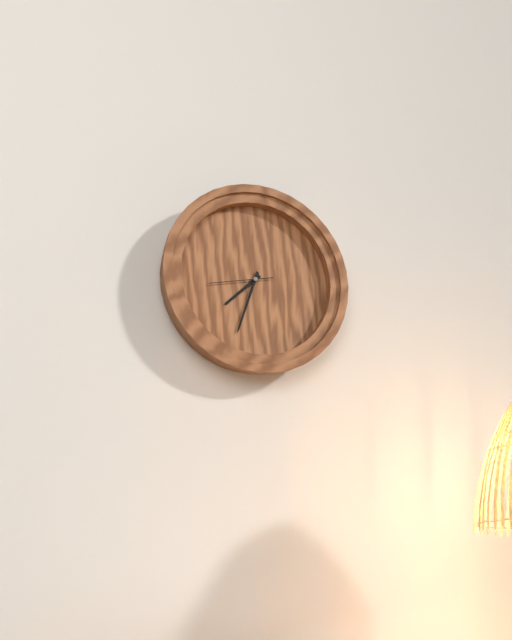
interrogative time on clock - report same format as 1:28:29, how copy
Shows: 7:33:43
